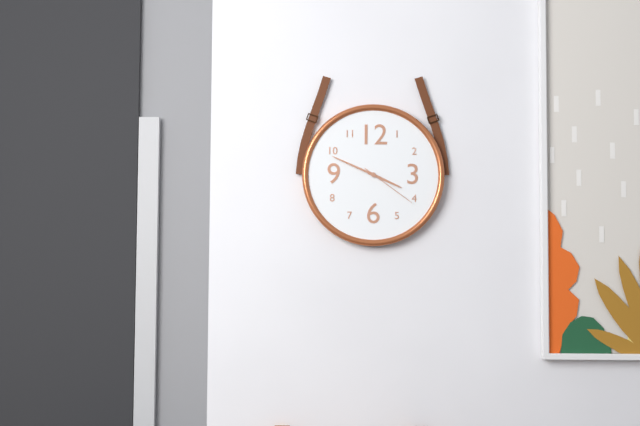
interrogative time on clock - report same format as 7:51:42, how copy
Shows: 3:49:21
